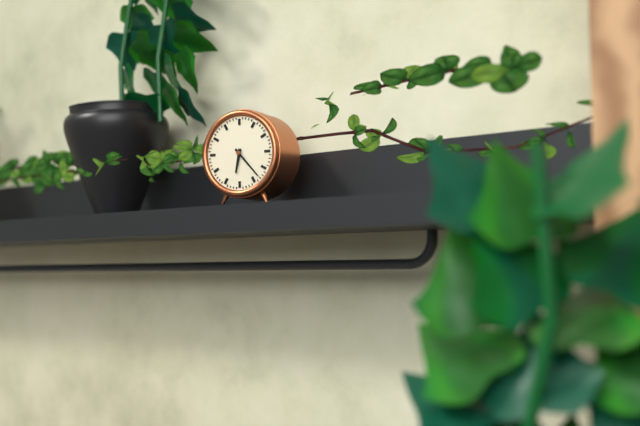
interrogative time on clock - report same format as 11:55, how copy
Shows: 6:23
